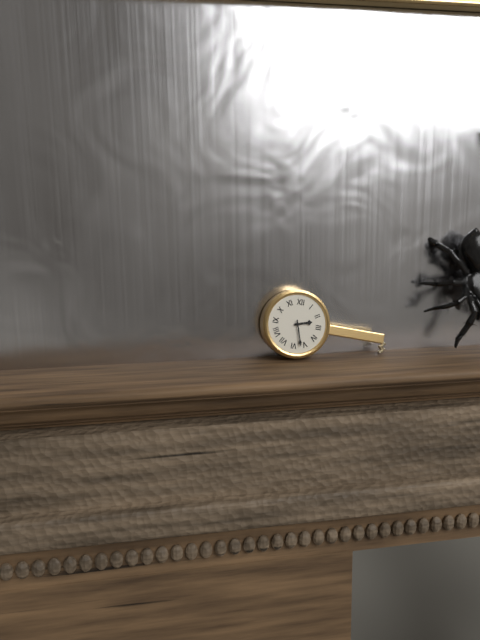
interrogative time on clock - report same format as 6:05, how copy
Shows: 2:27
